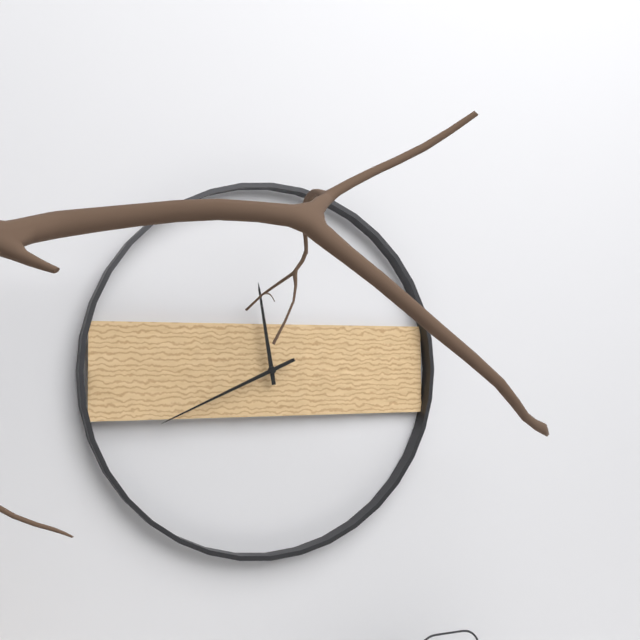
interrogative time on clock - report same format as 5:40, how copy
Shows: 11:41
